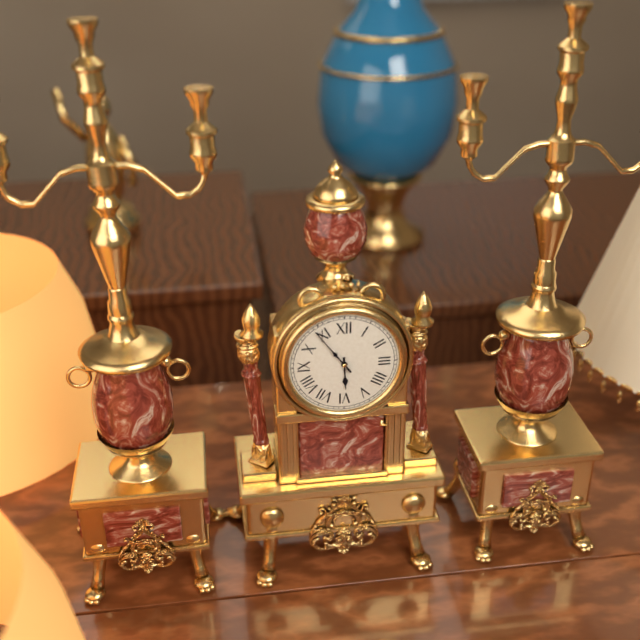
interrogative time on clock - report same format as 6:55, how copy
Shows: 5:54
